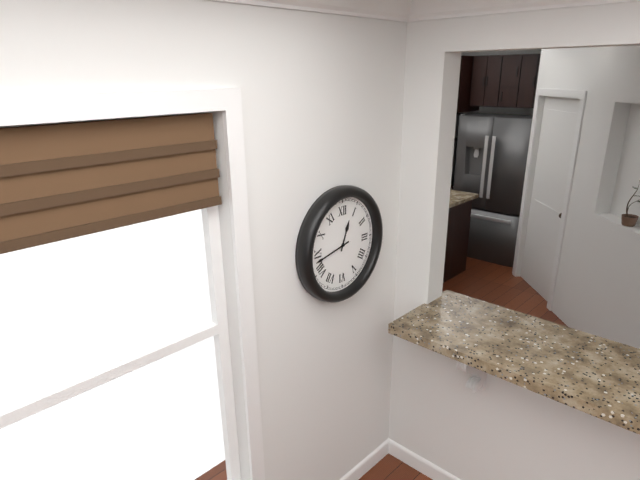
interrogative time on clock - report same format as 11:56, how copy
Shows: 12:43
